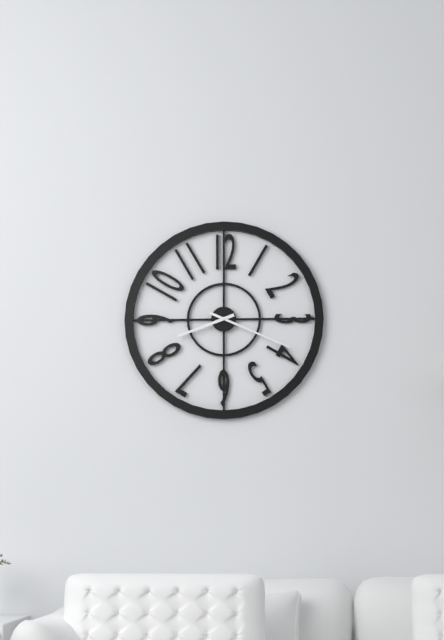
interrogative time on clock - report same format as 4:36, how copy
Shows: 8:19
